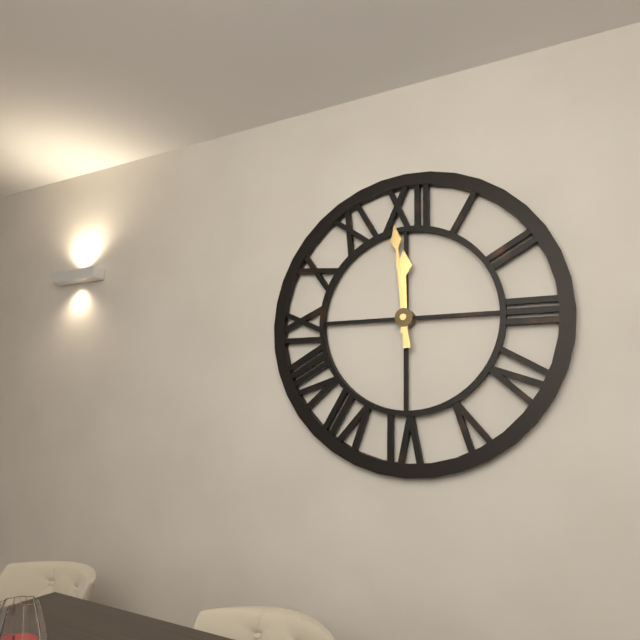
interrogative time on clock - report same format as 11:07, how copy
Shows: 11:59
